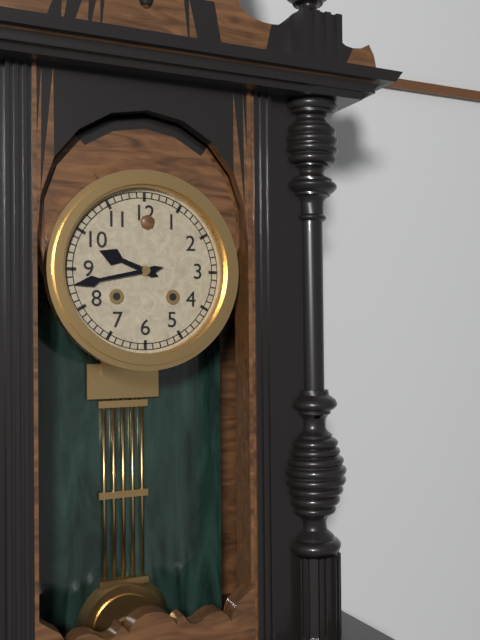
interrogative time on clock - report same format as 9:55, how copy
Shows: 9:43
